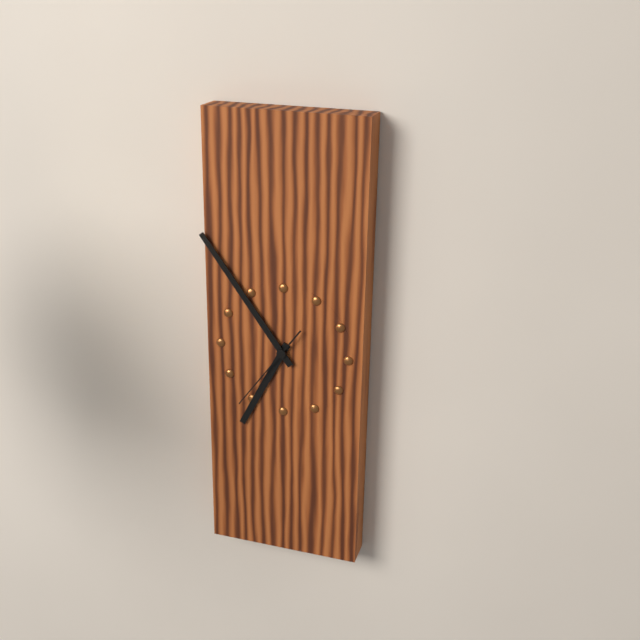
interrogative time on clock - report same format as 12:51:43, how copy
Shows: 6:54:36
